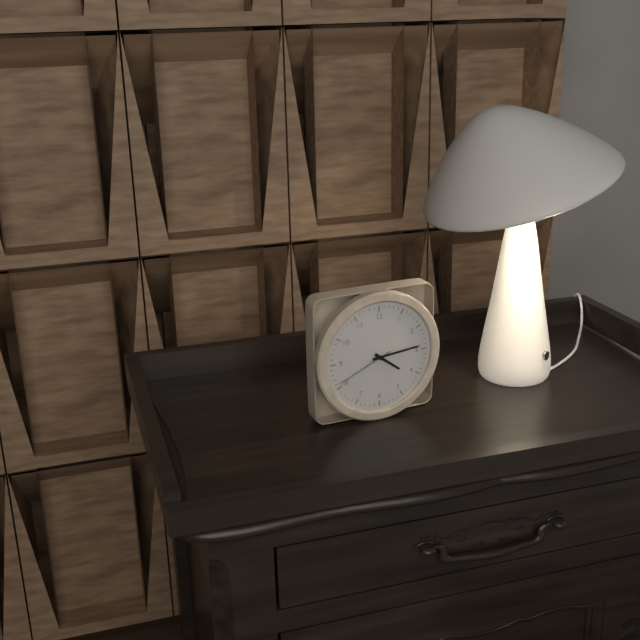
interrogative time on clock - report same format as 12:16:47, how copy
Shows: 4:14:41
